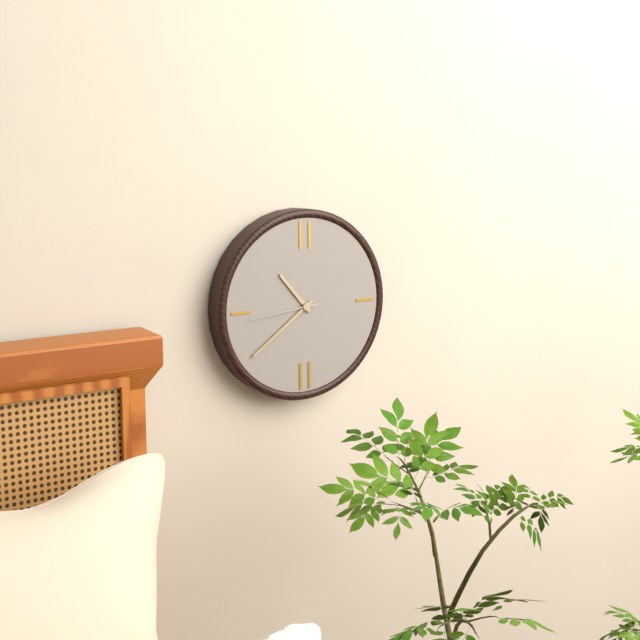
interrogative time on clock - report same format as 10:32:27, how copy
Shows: 10:39:44
